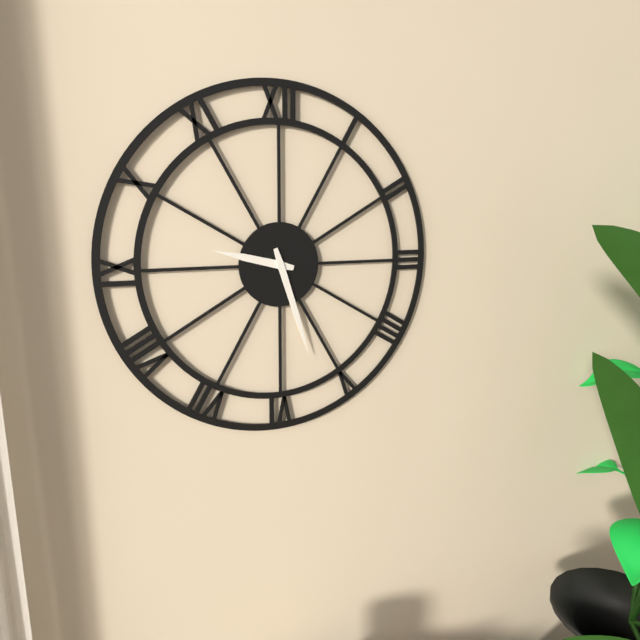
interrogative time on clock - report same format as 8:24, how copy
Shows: 9:27
